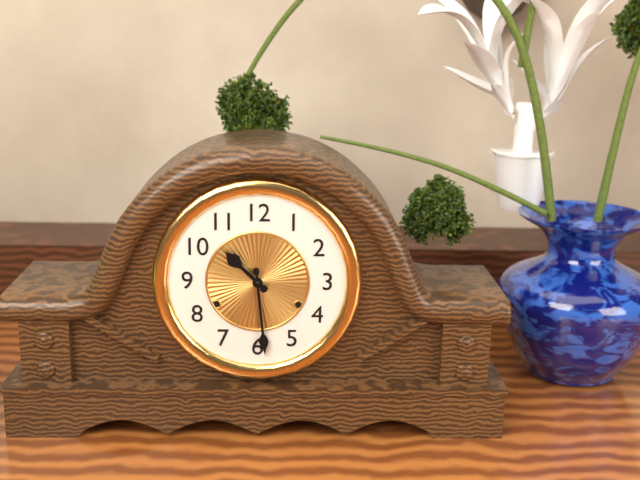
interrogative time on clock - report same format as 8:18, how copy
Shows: 10:29
